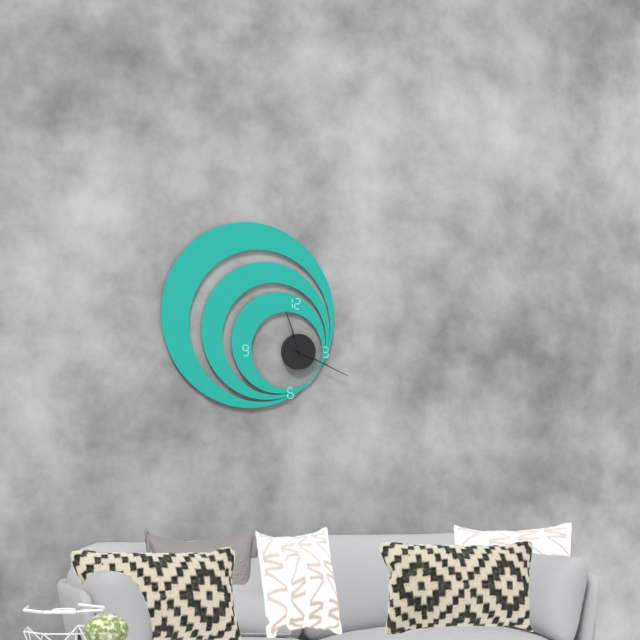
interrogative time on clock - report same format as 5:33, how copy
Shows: 11:19
